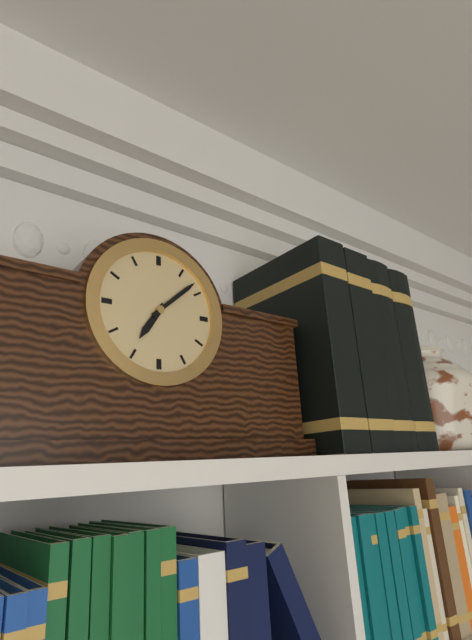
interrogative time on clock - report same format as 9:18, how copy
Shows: 7:08
